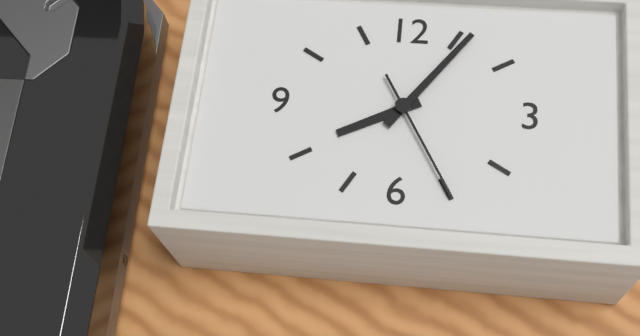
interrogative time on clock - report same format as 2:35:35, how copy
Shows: 8:06:25
